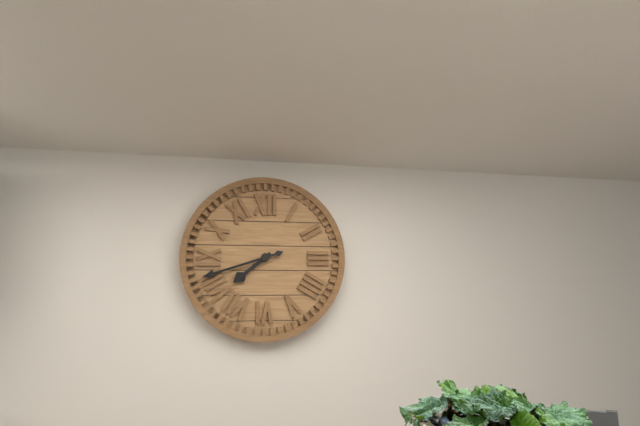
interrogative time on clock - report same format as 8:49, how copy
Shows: 7:42
